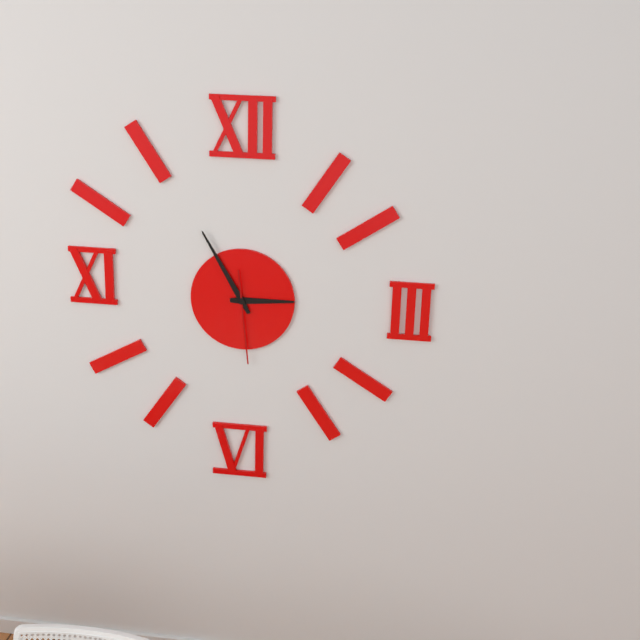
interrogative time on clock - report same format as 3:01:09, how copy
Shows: 2:55:29
